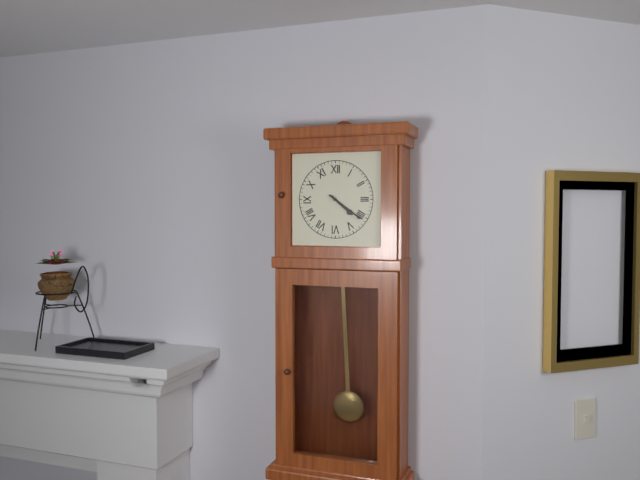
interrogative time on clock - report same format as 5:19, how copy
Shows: 4:21
